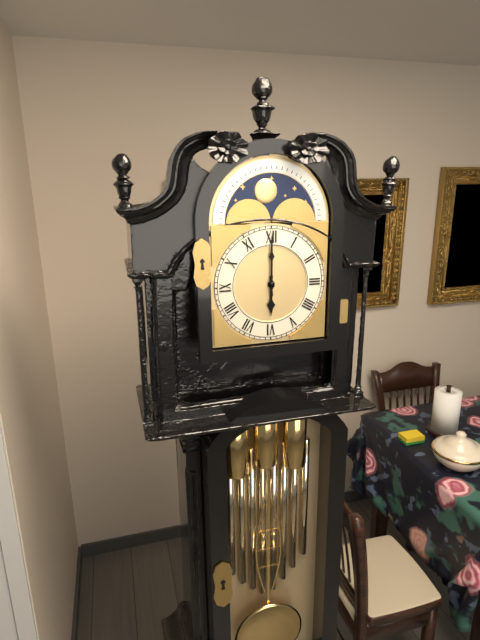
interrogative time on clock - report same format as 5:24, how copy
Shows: 6:00
